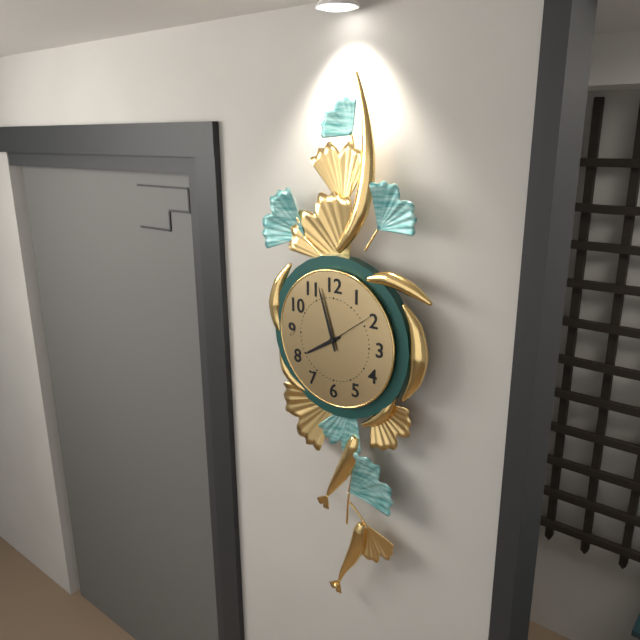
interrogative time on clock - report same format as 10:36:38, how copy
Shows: 7:57:09
